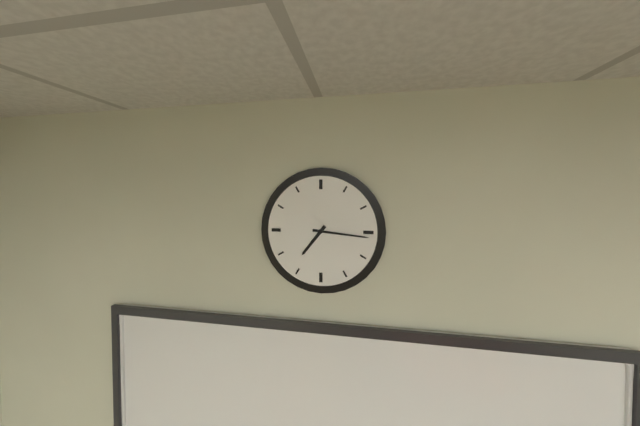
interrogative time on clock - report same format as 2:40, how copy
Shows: 7:16
